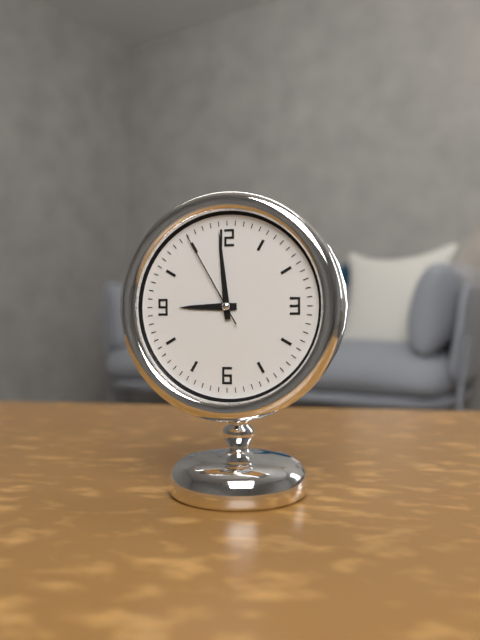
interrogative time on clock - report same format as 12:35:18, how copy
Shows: 8:59:55
